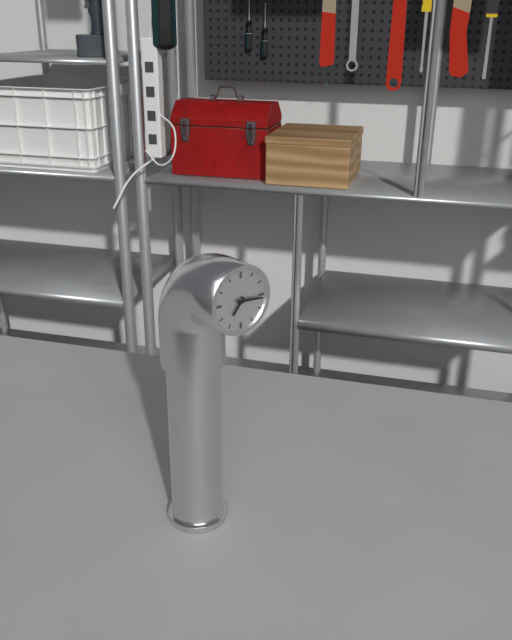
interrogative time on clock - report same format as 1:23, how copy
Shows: 7:16
